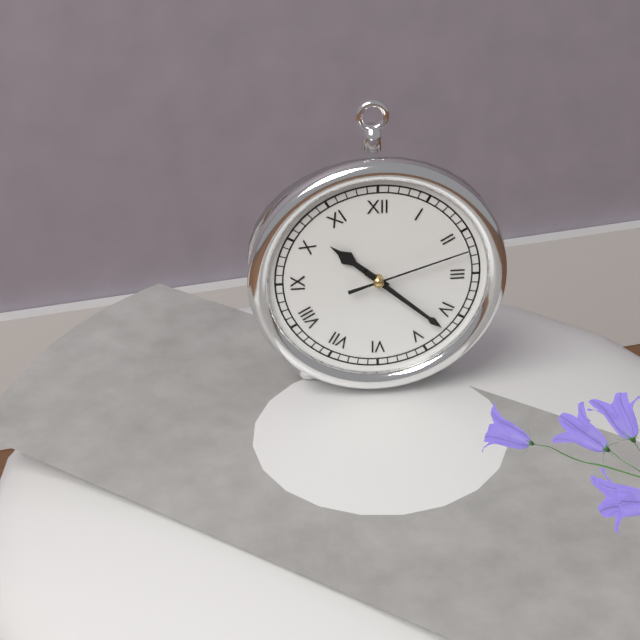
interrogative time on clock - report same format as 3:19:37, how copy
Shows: 10:22:12
